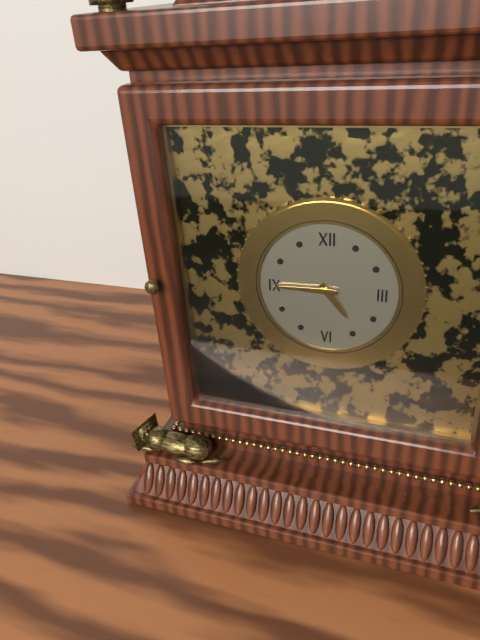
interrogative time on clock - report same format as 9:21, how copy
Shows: 4:45
